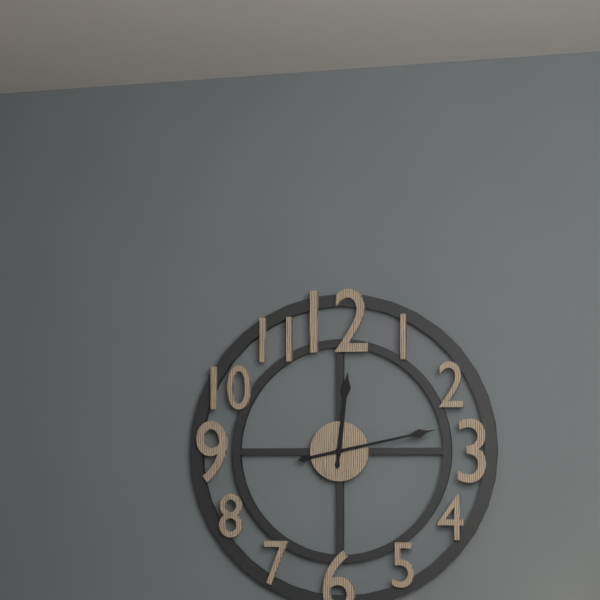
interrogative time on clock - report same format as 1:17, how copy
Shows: 12:13
